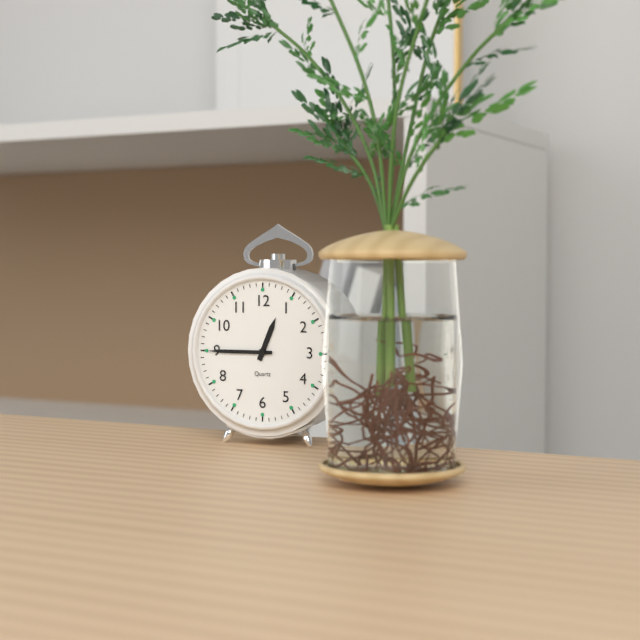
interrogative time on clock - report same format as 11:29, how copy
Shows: 12:45
